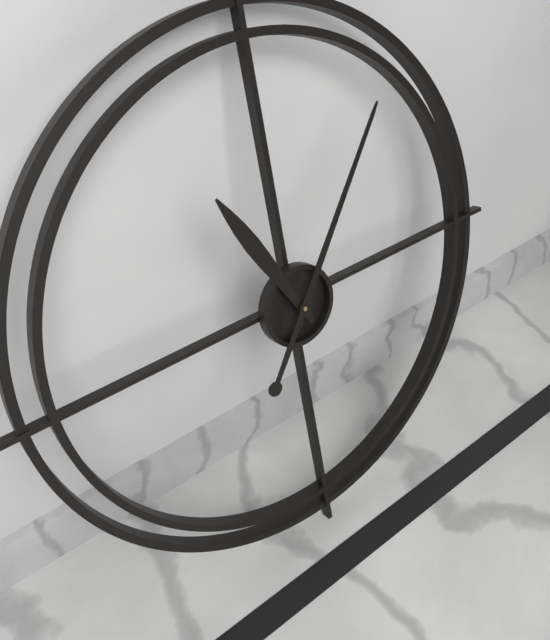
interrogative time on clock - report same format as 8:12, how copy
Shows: 11:06
